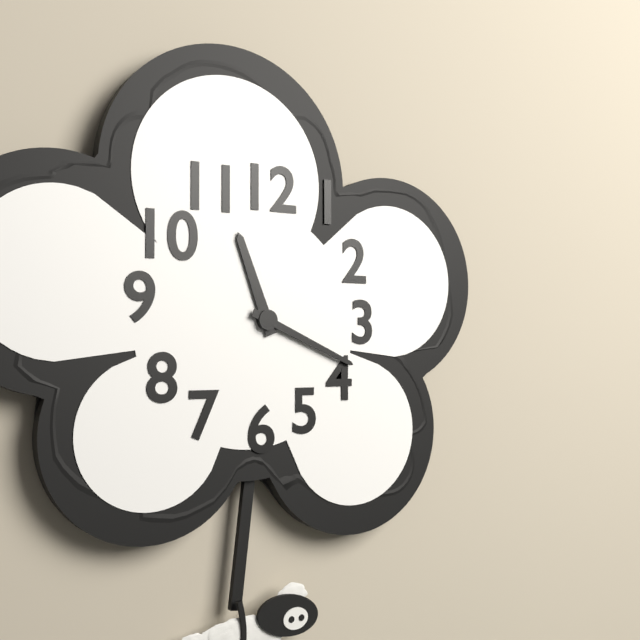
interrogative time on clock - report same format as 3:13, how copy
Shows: 11:19
